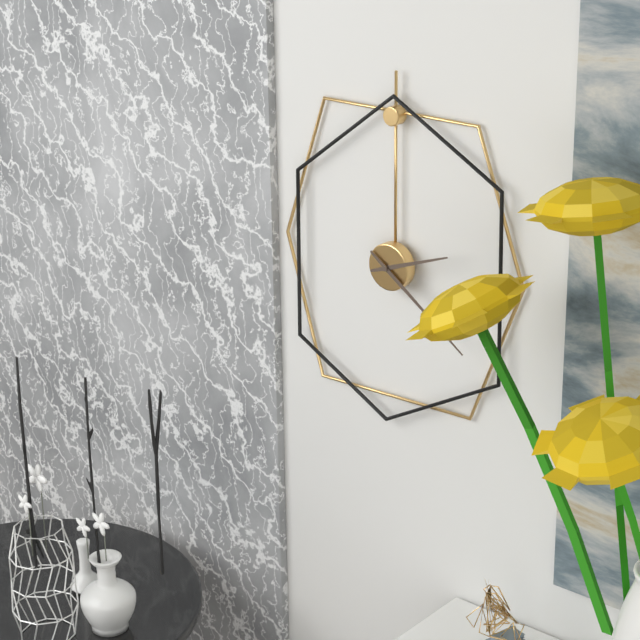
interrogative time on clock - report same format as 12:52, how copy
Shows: 2:21
